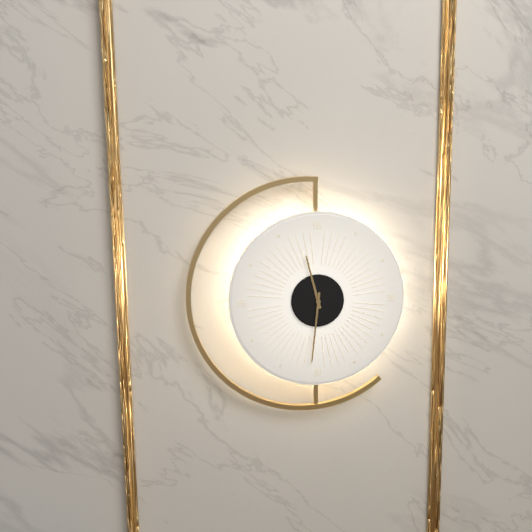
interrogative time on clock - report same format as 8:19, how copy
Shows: 11:31
